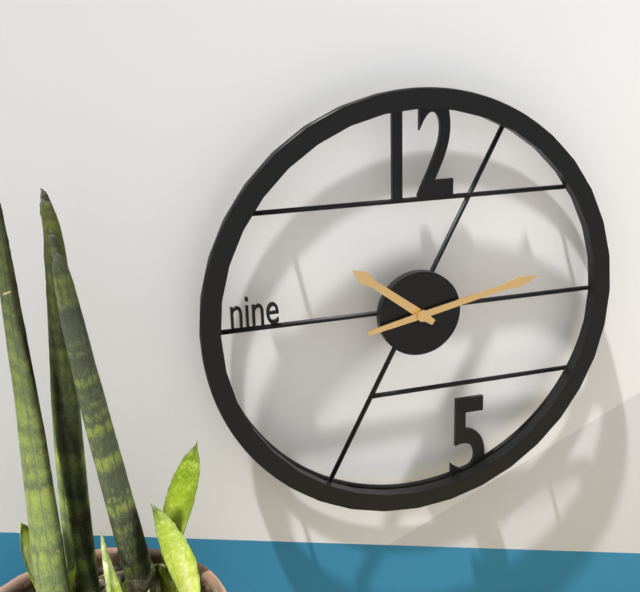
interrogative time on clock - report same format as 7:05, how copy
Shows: 10:13
